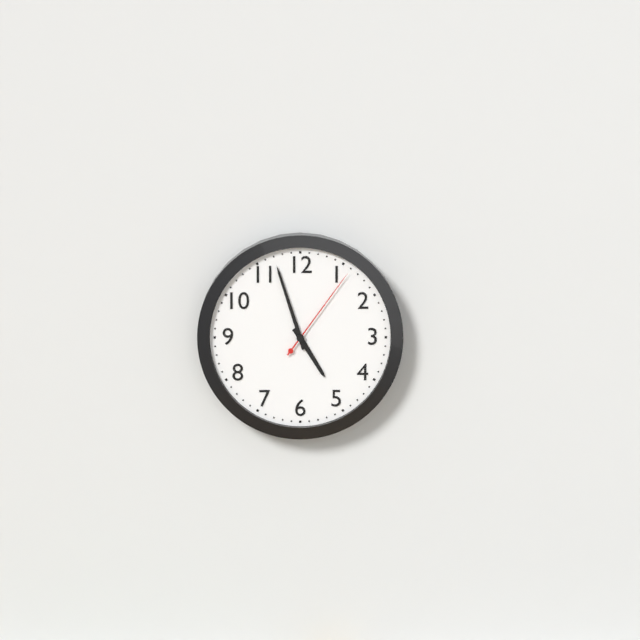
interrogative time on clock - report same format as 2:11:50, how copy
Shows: 4:57:06
